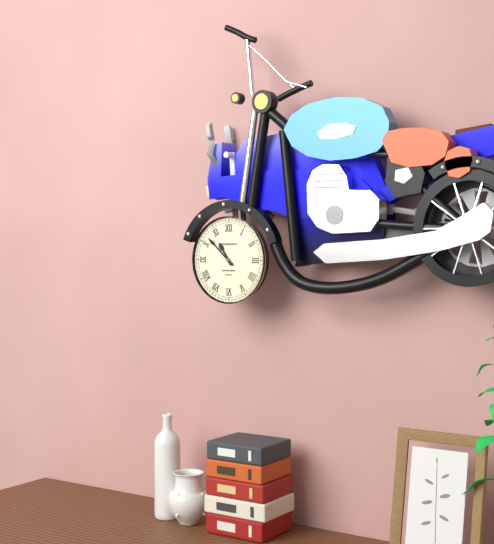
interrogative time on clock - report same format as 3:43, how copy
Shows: 10:52
